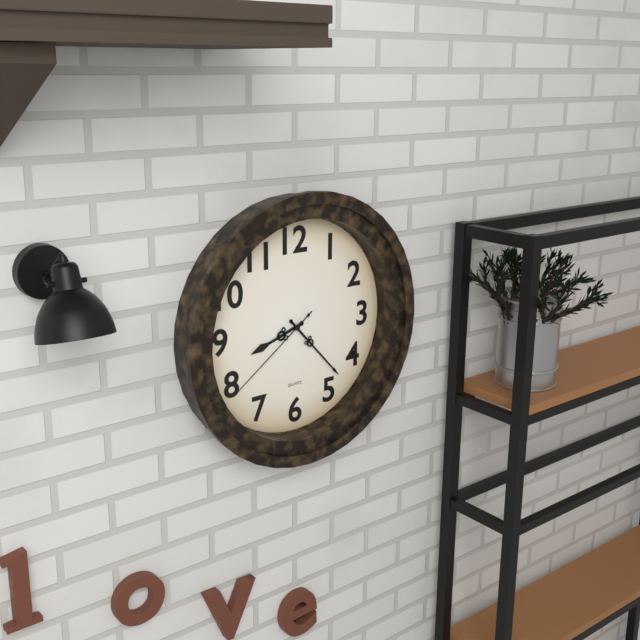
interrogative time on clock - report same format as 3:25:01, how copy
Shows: 8:23:39
